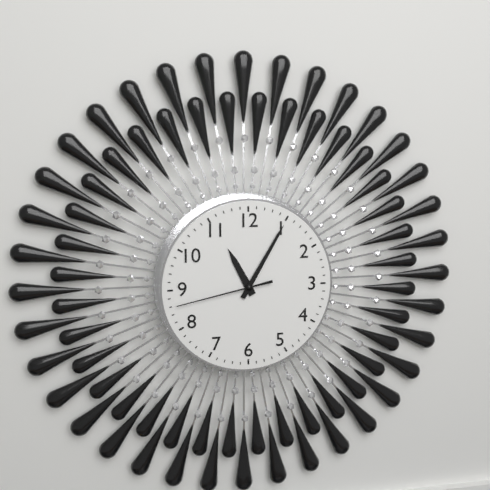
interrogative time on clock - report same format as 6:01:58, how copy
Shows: 11:05:43
